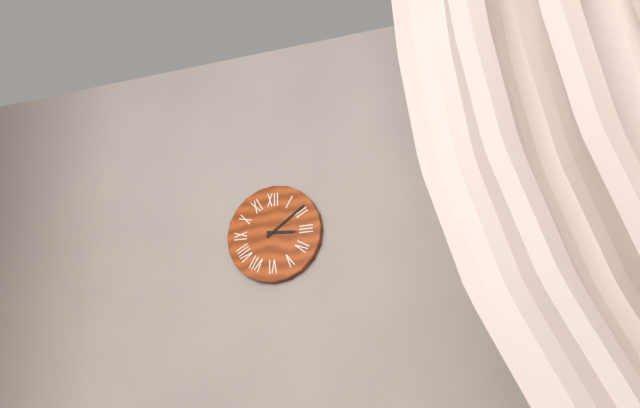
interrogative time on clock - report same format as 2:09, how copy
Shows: 3:09
